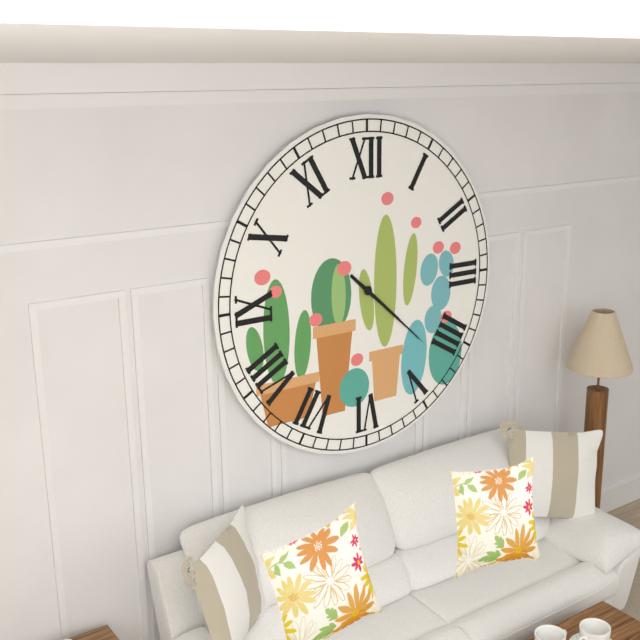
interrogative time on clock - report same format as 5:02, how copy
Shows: 4:22
